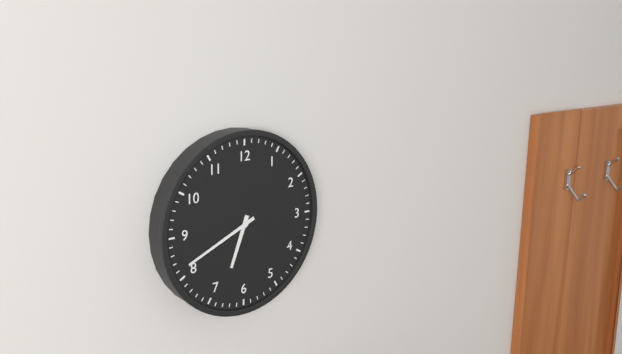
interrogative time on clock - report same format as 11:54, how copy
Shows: 6:41
